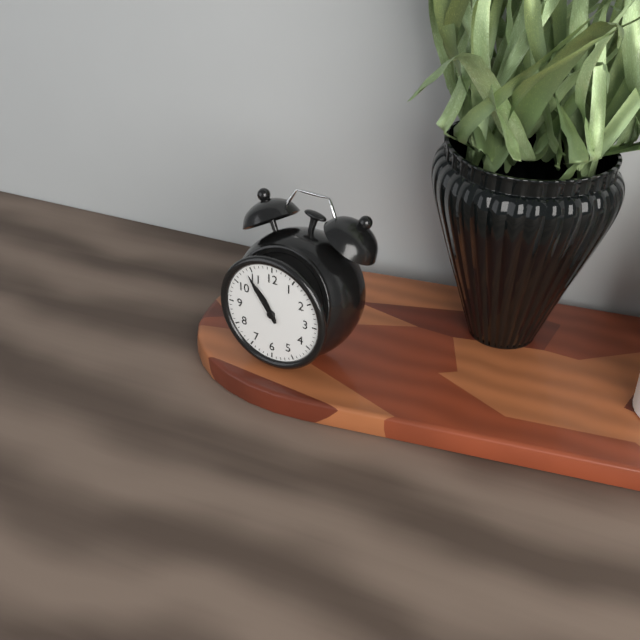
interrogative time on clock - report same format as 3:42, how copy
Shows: 10:54
